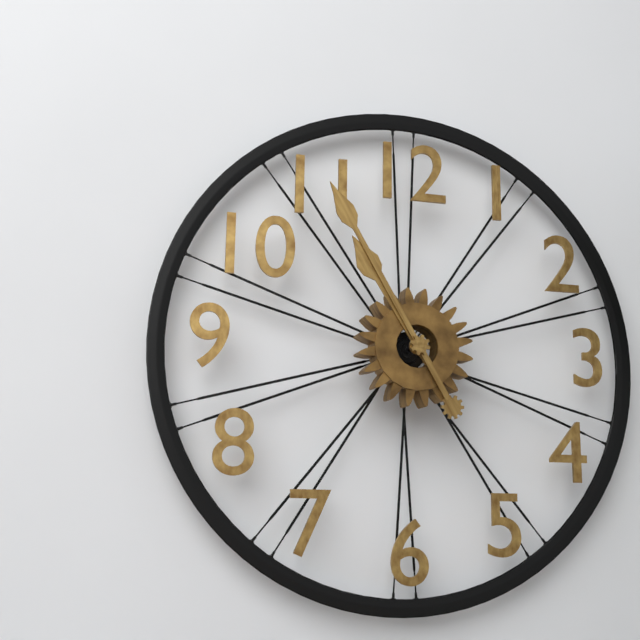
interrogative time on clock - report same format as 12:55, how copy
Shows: 10:55
